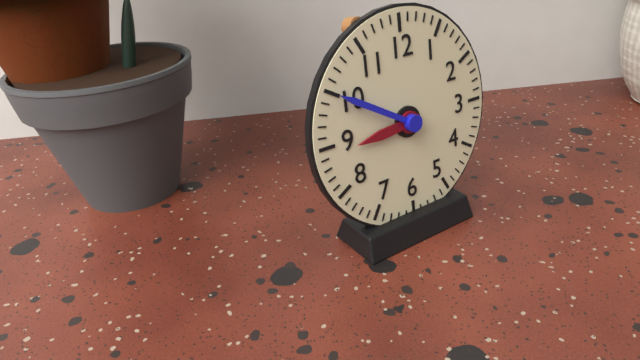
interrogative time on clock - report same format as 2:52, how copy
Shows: 8:50
